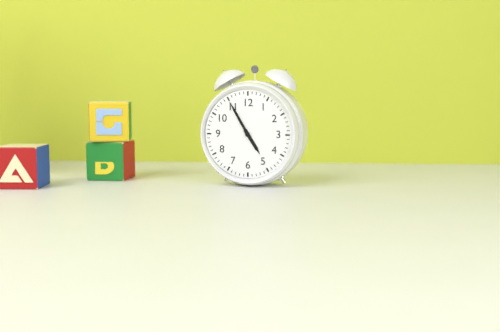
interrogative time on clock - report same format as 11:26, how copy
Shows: 4:55
